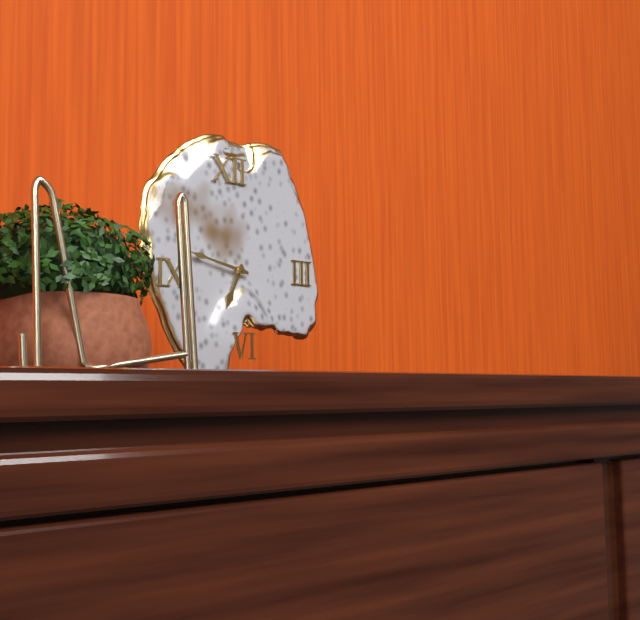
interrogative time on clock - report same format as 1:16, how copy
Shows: 6:47
